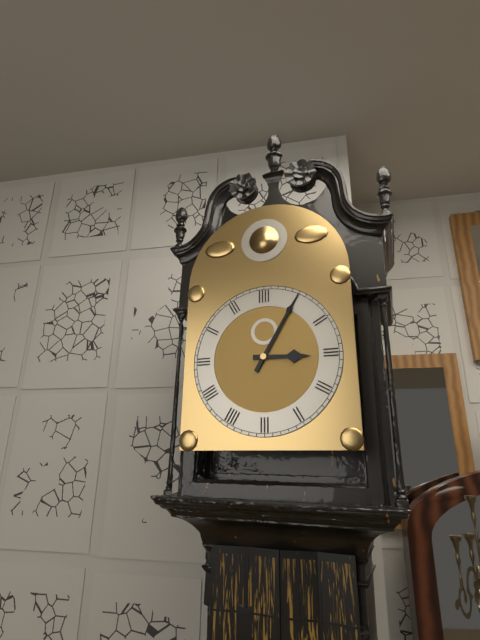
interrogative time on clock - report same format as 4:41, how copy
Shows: 3:05
